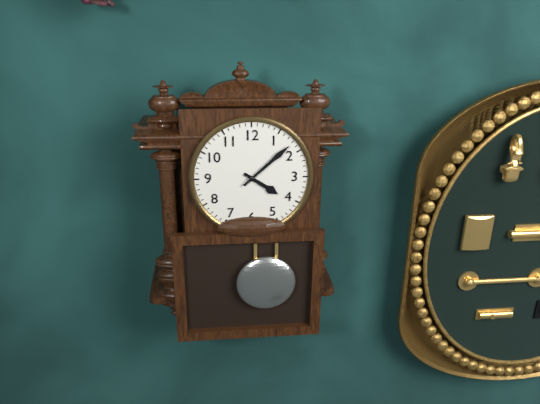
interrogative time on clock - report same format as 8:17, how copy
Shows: 4:08
